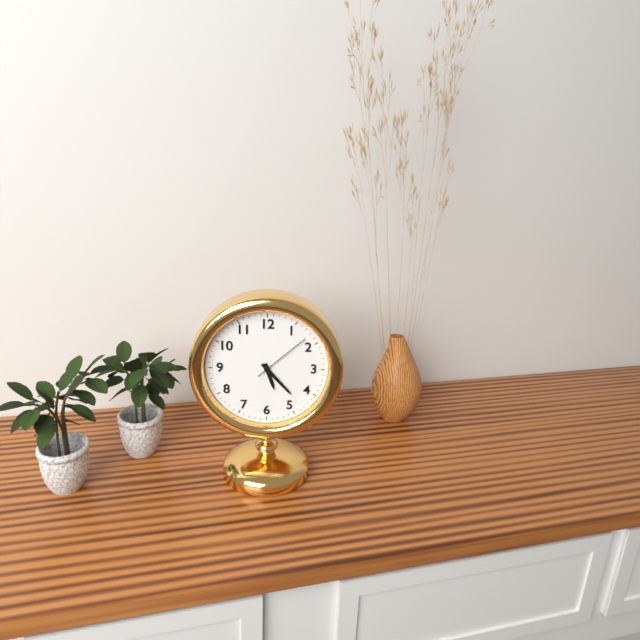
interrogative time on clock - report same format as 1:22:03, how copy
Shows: 5:23:08
